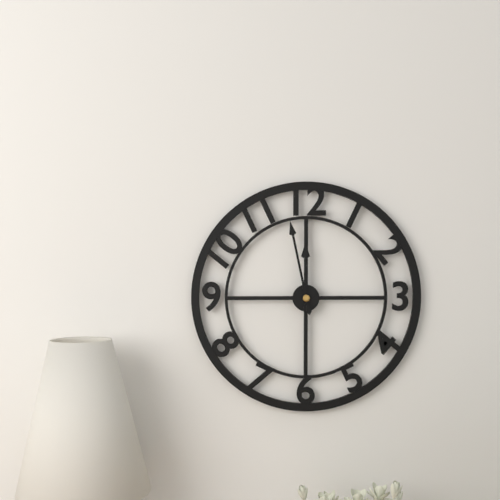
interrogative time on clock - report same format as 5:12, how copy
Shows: 11:58
